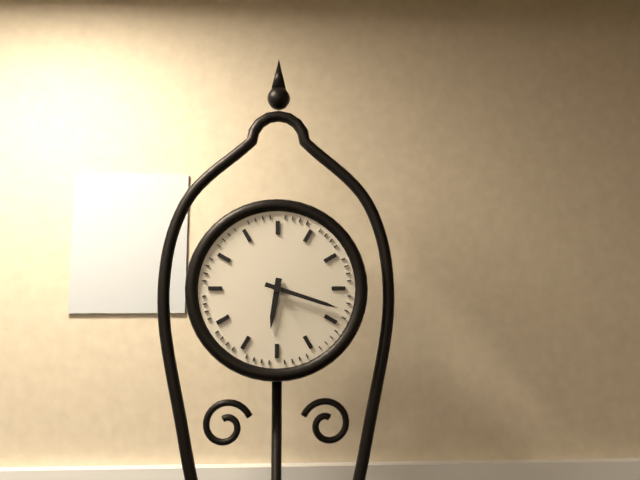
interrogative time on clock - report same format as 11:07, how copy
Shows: 6:18
